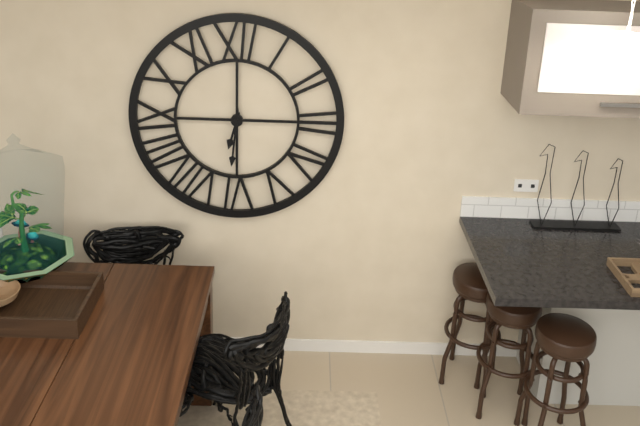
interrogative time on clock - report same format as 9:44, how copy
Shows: 6:31
